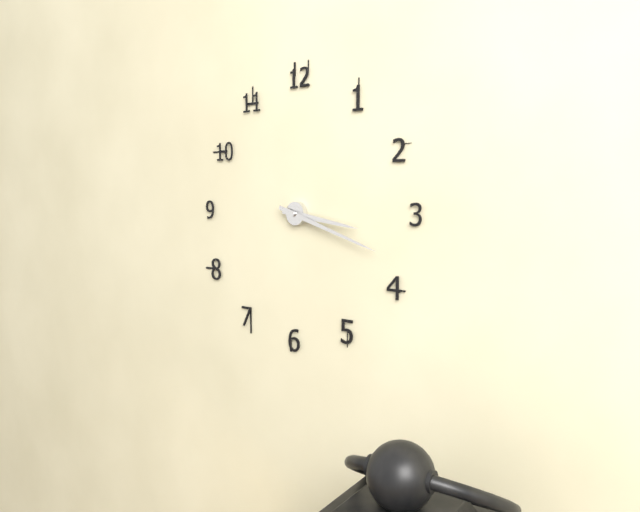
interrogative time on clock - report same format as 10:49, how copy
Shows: 3:18
